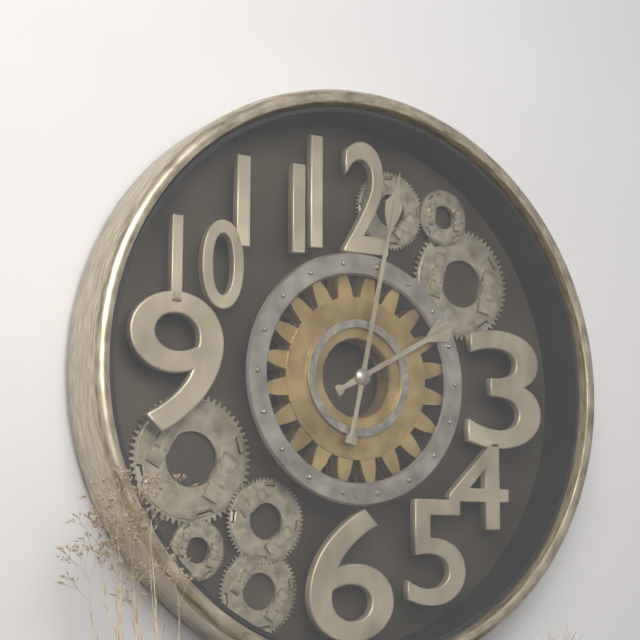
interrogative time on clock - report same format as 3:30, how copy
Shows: 2:02
